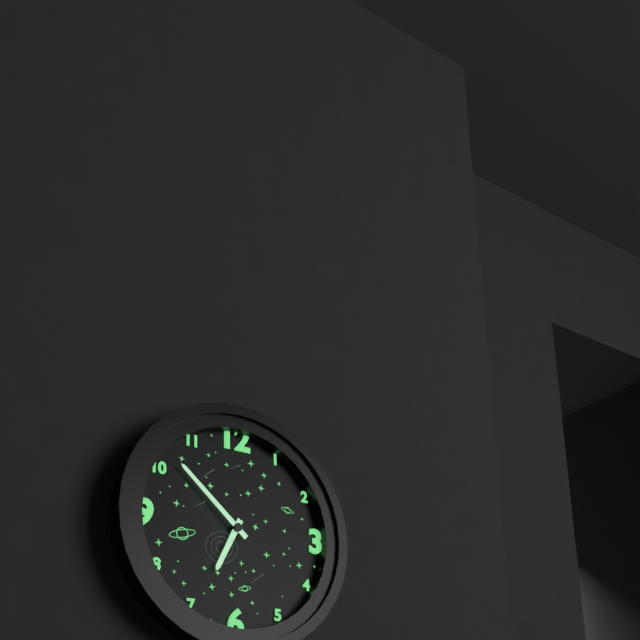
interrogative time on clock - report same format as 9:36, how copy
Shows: 6:52
